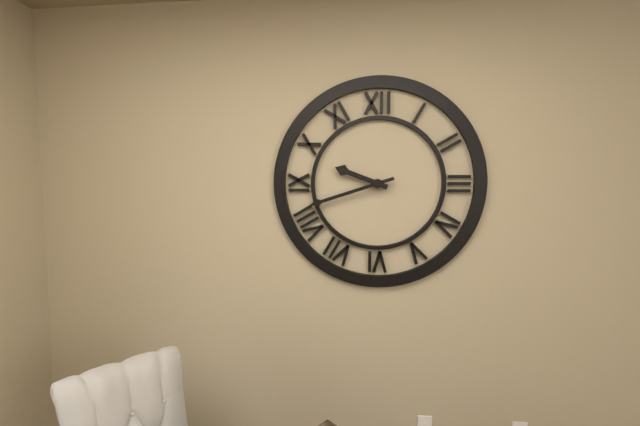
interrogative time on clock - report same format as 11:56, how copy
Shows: 9:42
